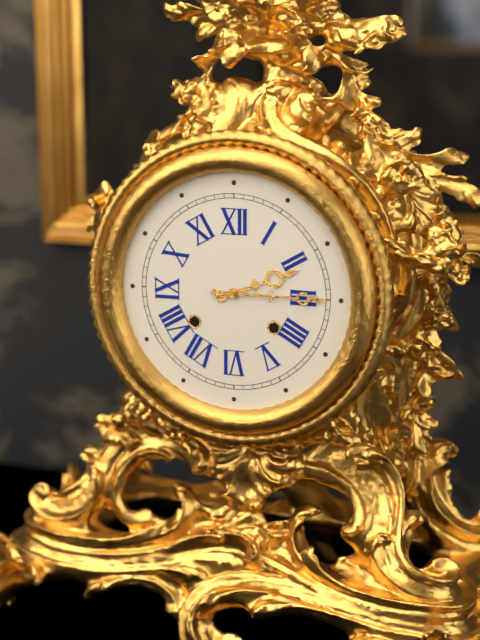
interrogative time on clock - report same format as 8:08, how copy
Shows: 2:15
